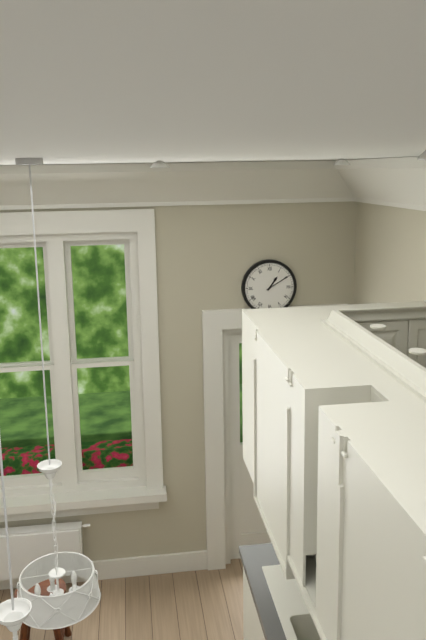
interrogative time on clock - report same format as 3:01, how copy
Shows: 1:10
